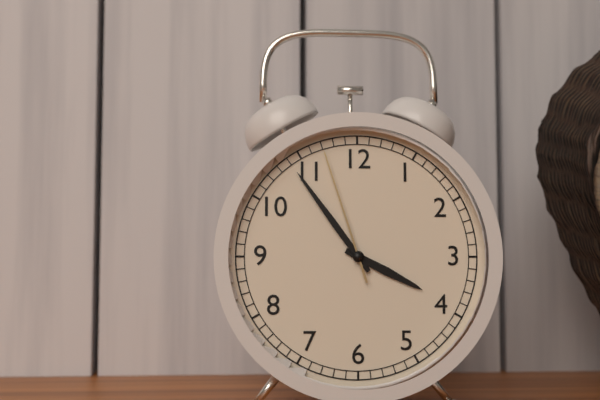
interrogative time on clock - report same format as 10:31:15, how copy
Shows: 3:54:57
